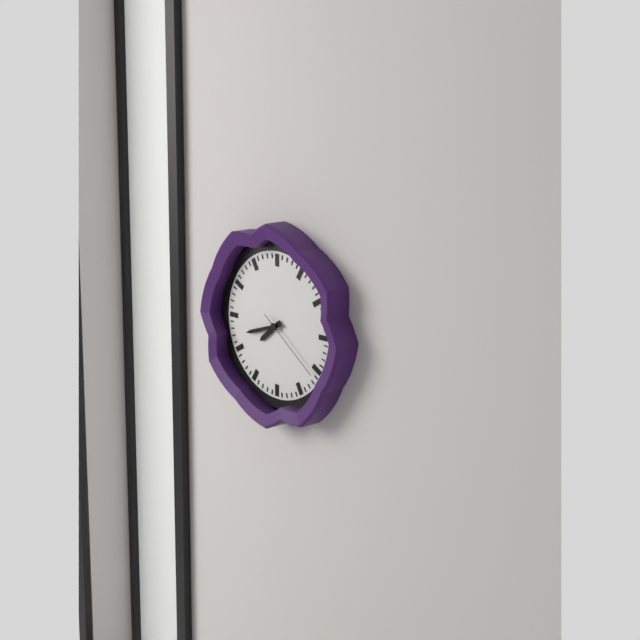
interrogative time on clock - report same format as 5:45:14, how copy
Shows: 7:42:21
